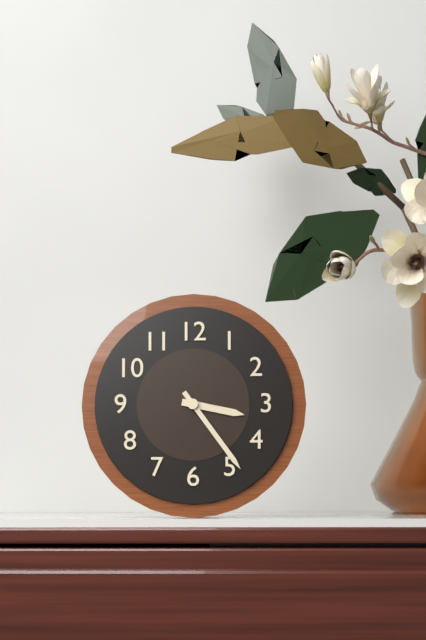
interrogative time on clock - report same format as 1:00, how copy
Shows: 3:24
